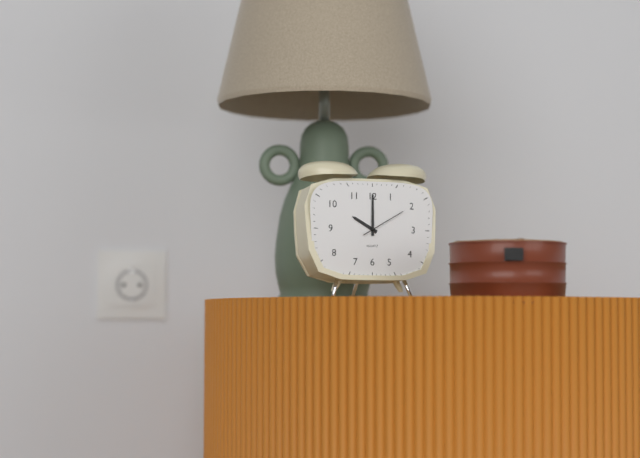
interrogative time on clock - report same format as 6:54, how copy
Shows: 10:00
